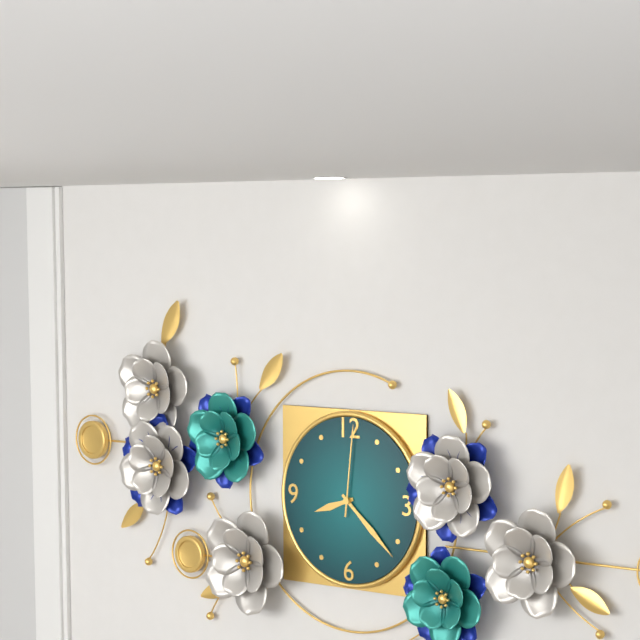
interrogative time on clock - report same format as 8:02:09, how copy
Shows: 8:22:01
